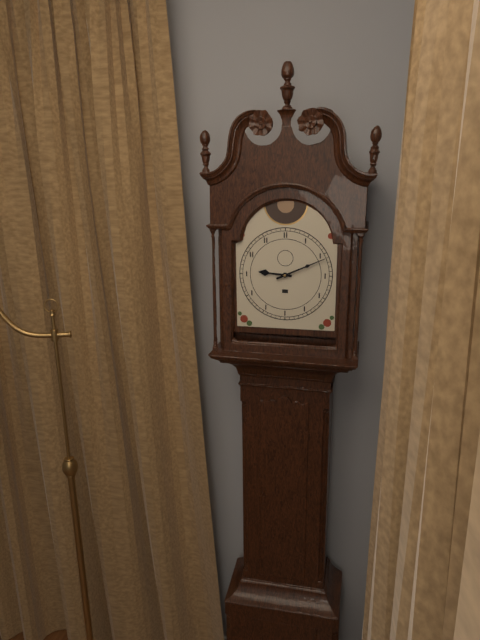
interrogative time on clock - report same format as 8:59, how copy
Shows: 9:11
